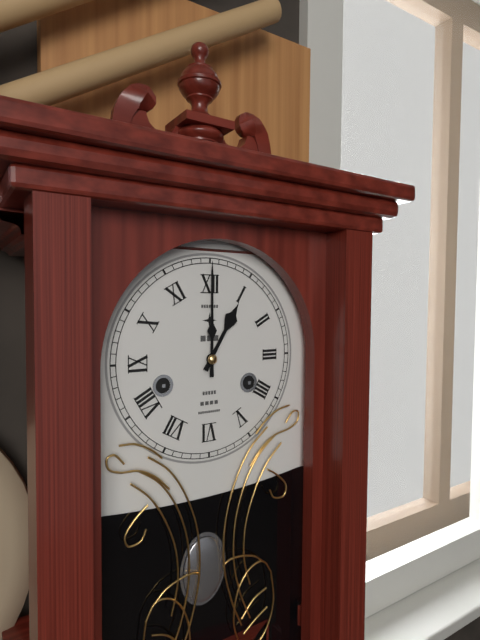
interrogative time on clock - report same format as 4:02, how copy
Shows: 1:00
